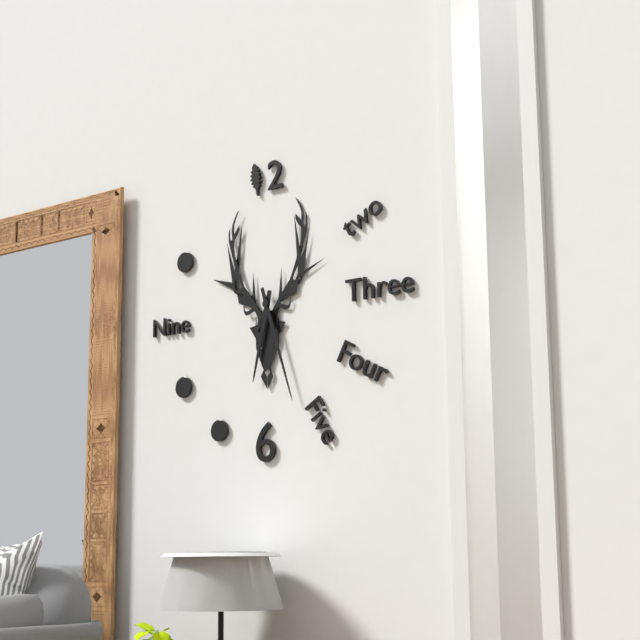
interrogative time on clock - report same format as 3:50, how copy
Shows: 6:27
